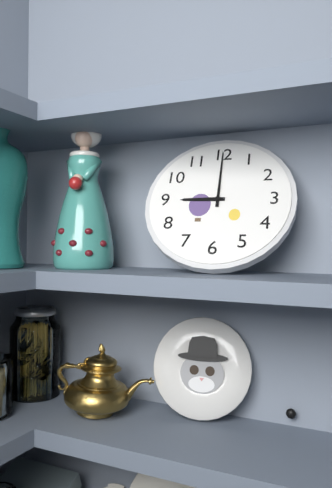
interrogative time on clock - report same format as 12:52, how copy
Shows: 9:00
